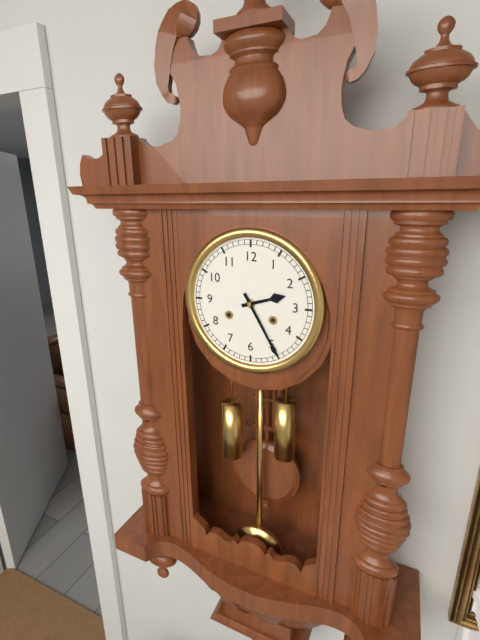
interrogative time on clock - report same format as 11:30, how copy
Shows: 2:25
